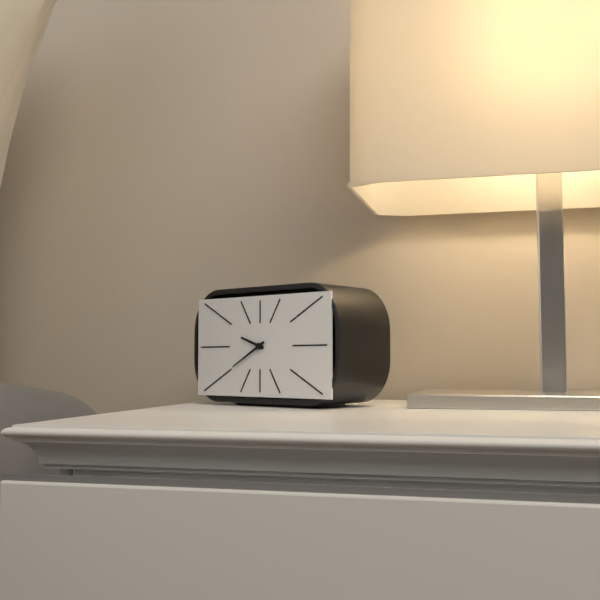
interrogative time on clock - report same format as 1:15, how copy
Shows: 9:40
